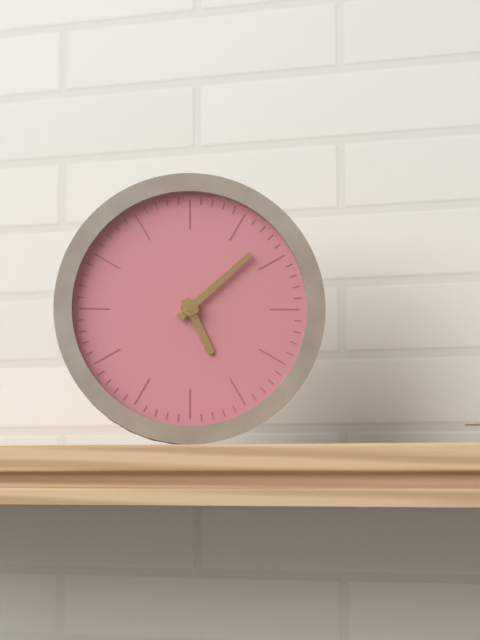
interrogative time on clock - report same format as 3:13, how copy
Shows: 5:08
